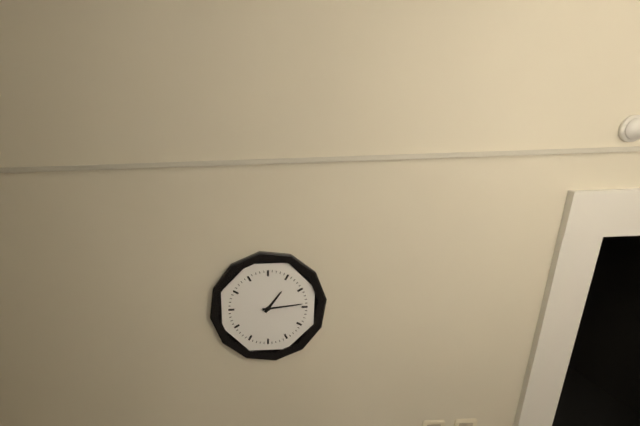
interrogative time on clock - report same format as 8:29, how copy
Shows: 1:14
